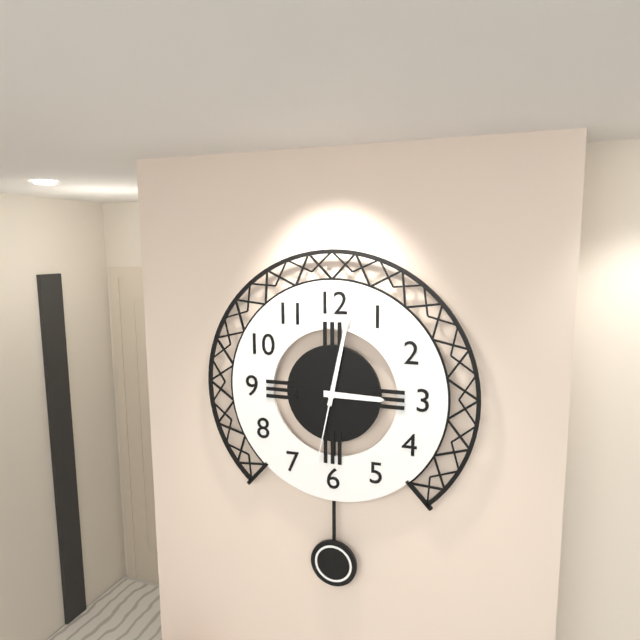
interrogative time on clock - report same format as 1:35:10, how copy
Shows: 3:02:32
